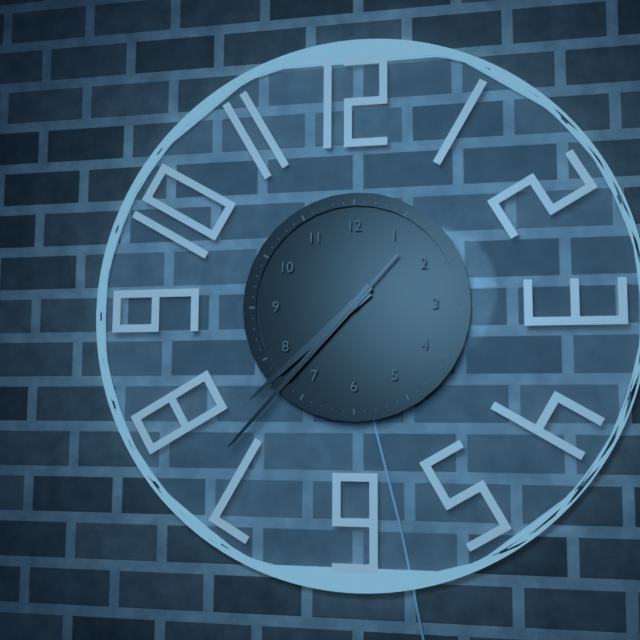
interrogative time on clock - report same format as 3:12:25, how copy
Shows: 7:37:37
